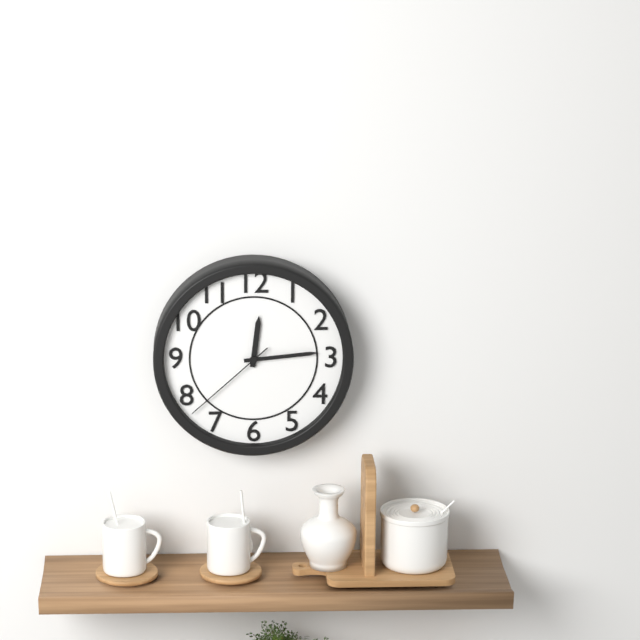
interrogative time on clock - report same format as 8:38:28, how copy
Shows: 12:14:38
